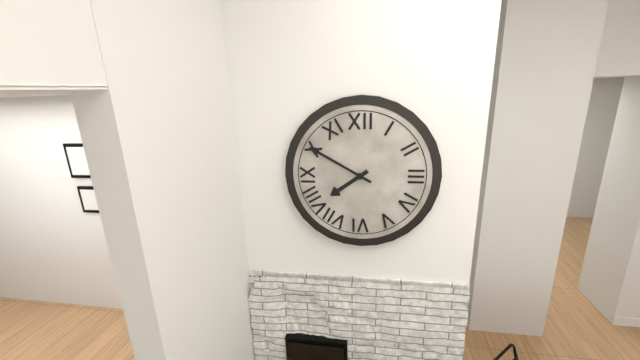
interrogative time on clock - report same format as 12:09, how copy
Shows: 7:50
